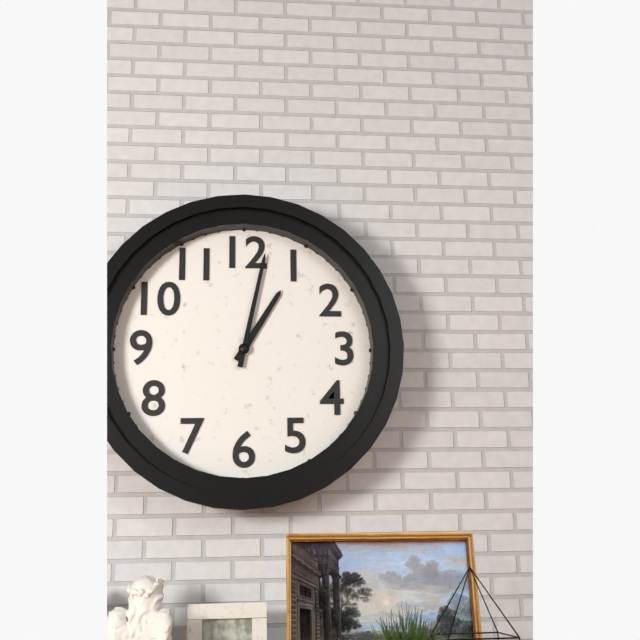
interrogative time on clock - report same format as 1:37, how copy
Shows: 1:02
